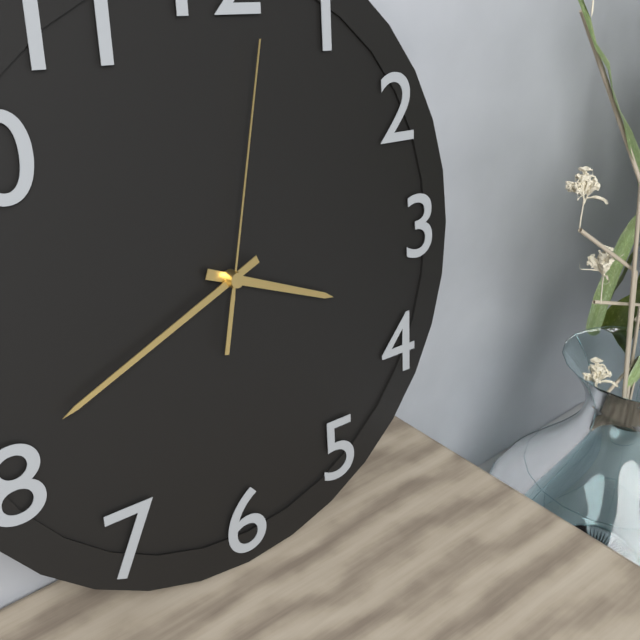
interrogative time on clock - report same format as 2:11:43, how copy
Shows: 3:41:02
